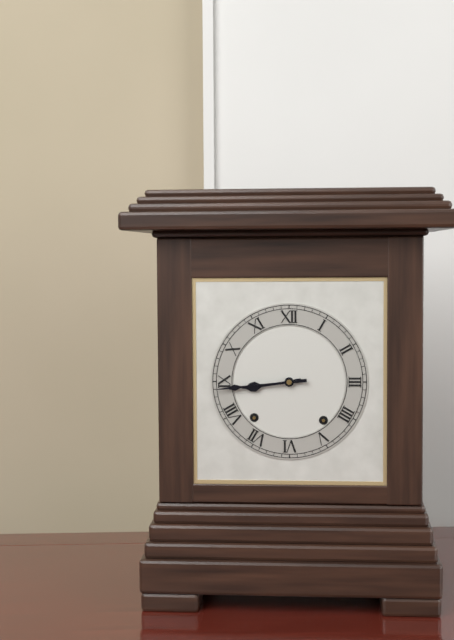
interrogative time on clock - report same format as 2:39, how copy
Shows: 8:44
